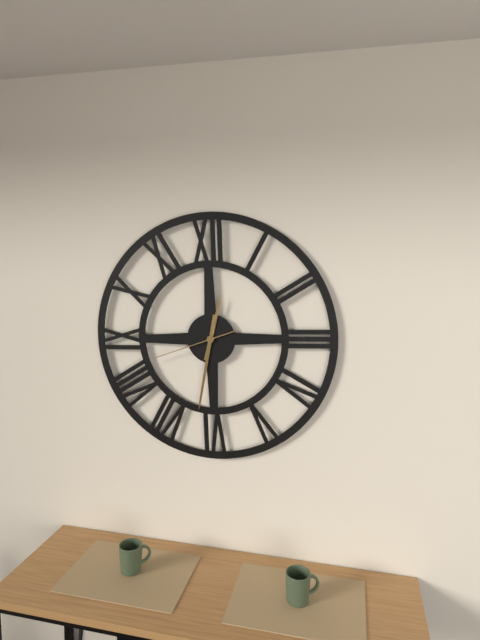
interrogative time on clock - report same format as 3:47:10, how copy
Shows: 12:32:42
